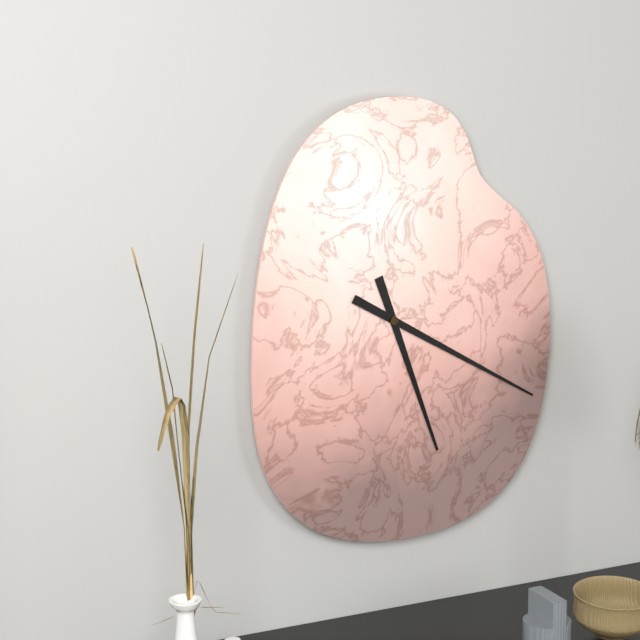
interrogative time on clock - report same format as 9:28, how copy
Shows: 5:20
